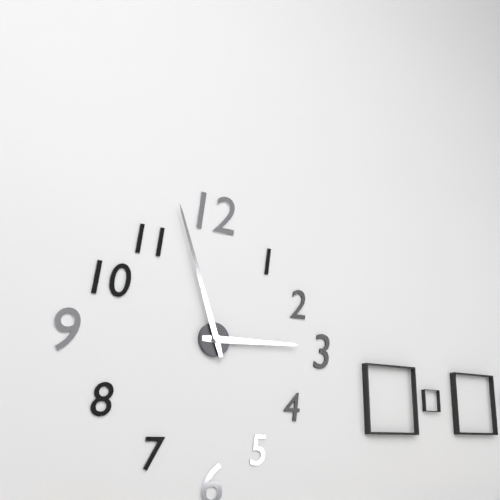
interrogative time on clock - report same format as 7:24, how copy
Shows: 2:57
